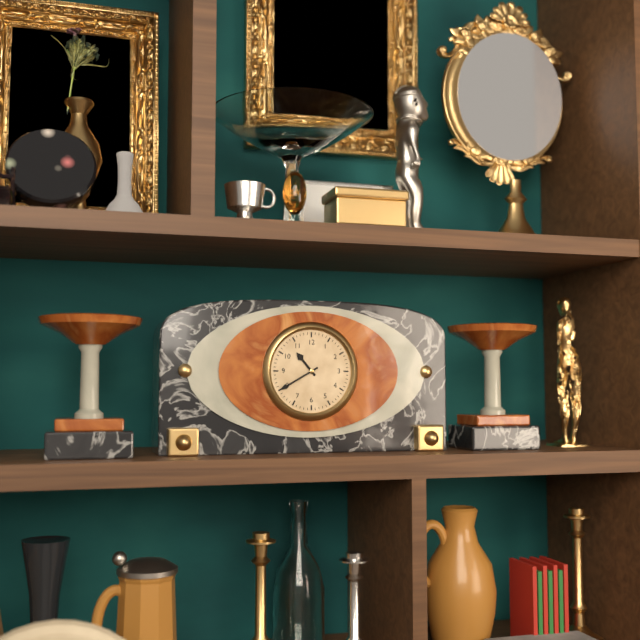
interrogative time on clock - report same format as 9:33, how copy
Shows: 10:40
